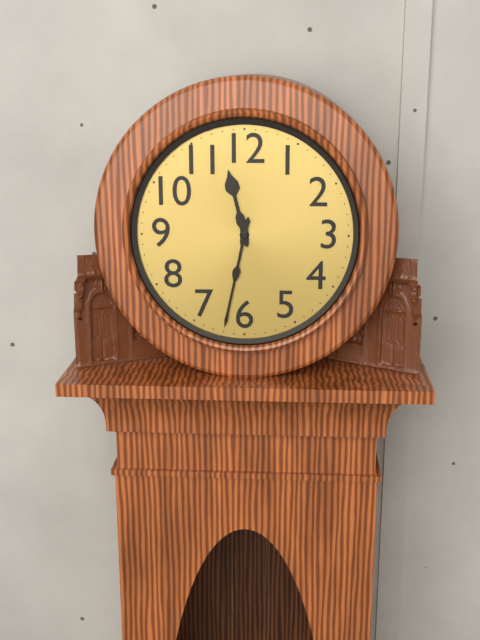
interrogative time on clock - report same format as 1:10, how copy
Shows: 11:32
